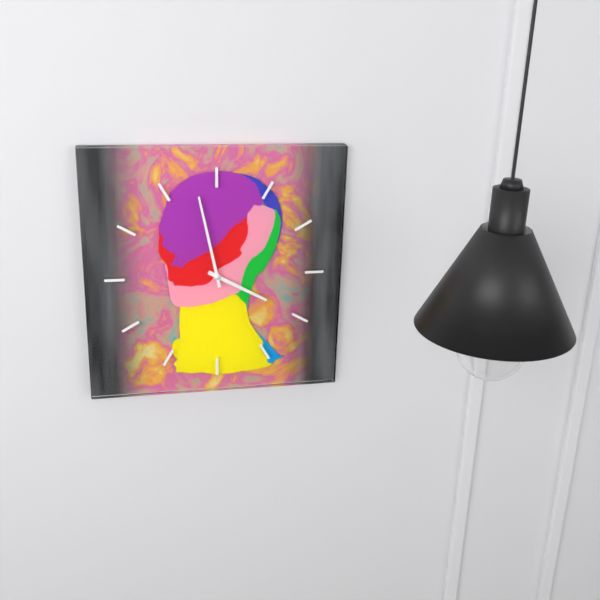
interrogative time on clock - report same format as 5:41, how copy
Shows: 3:58
